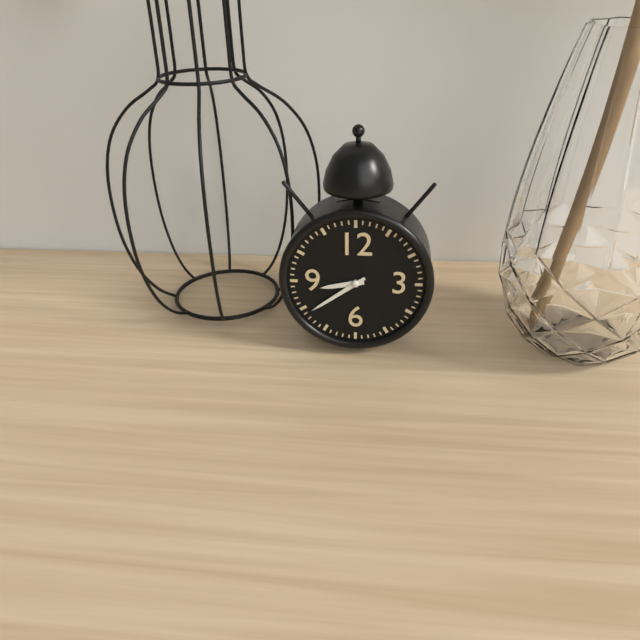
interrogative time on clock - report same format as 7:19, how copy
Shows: 8:39
